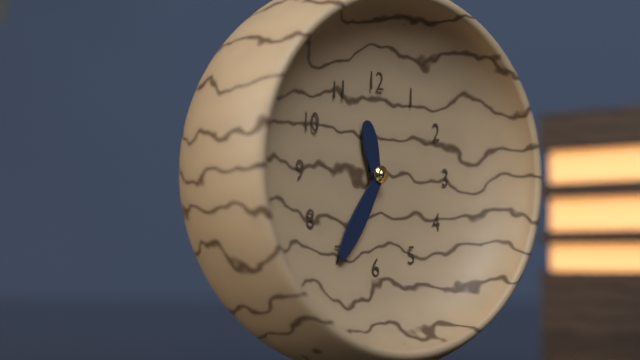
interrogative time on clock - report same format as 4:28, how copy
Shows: 11:35
